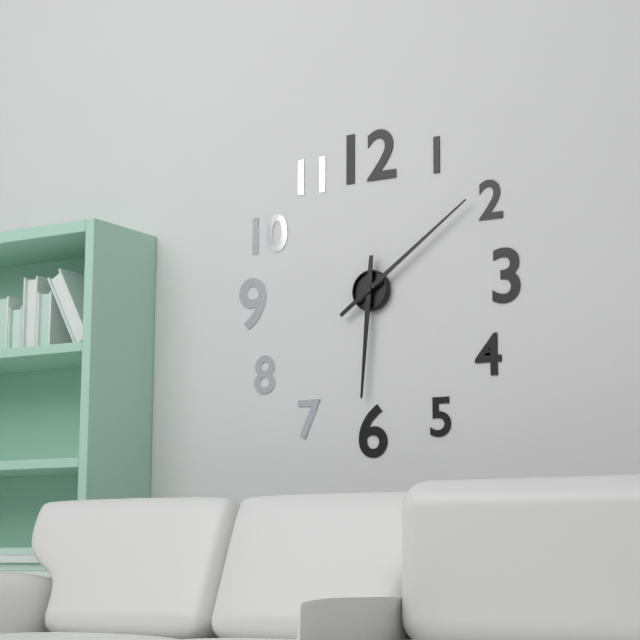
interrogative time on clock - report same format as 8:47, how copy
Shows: 6:09
